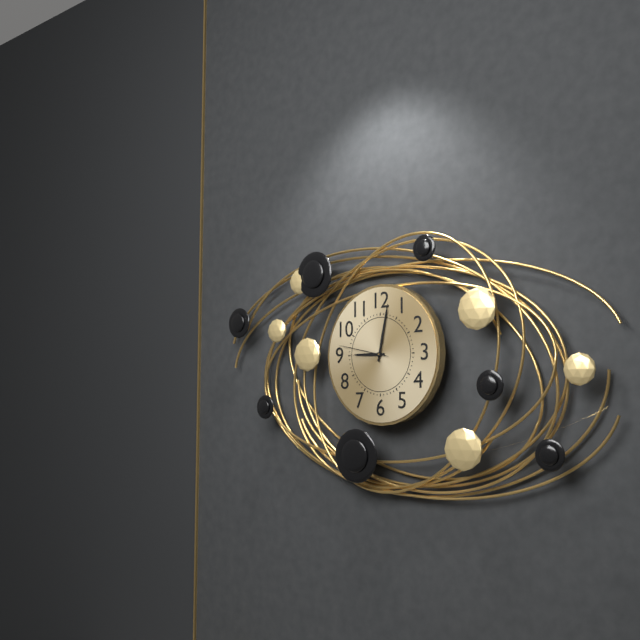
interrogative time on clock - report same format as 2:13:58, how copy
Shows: 9:02:47
